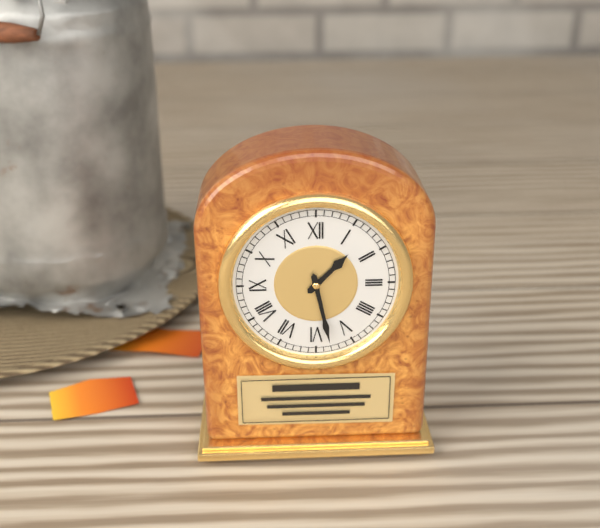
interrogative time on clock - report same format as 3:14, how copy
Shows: 1:28
